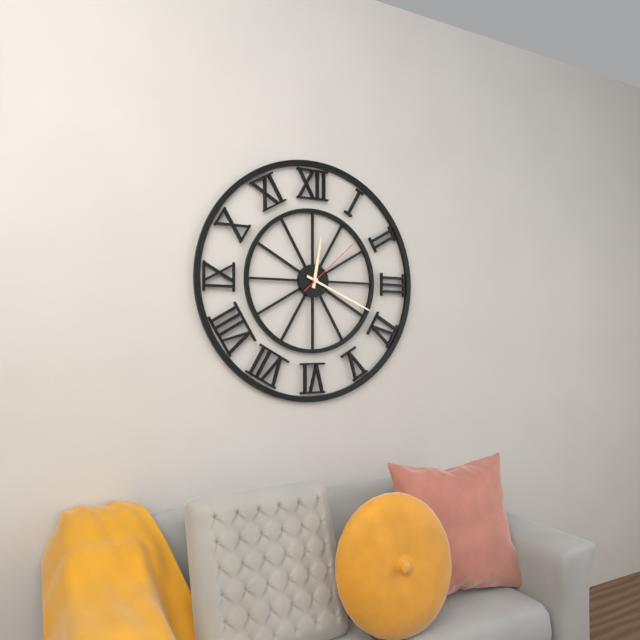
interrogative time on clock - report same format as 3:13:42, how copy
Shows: 12:19:08
